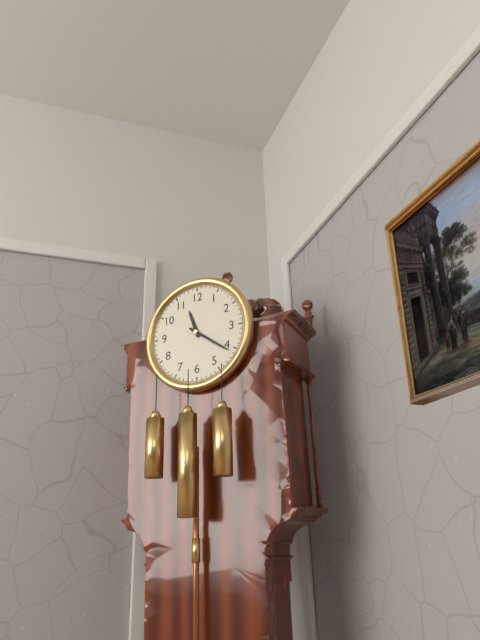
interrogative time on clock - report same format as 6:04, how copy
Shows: 11:21
